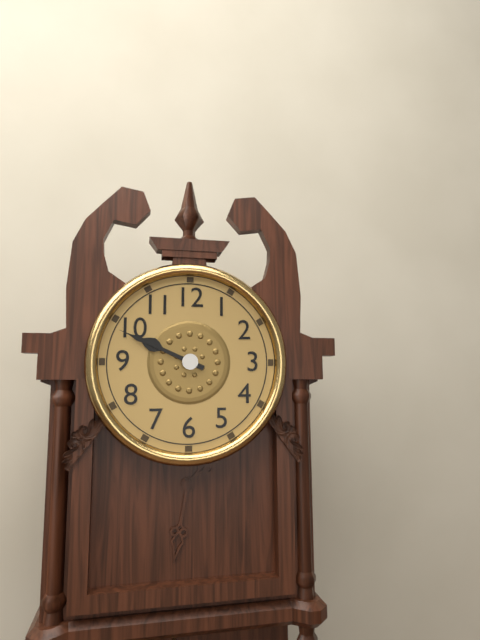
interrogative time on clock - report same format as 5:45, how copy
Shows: 9:49
